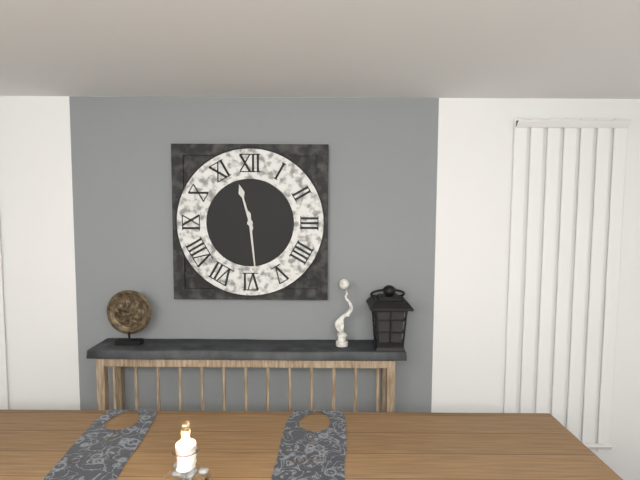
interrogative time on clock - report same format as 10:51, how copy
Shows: 11:29
